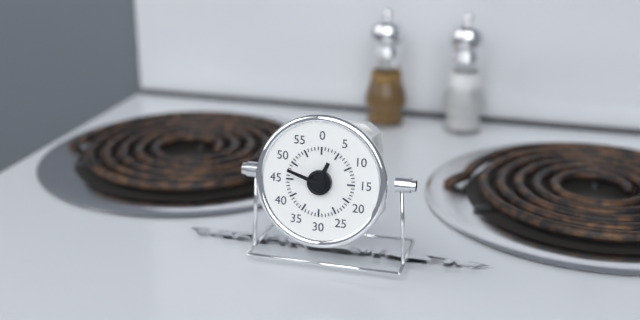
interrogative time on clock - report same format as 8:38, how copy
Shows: 12:48
